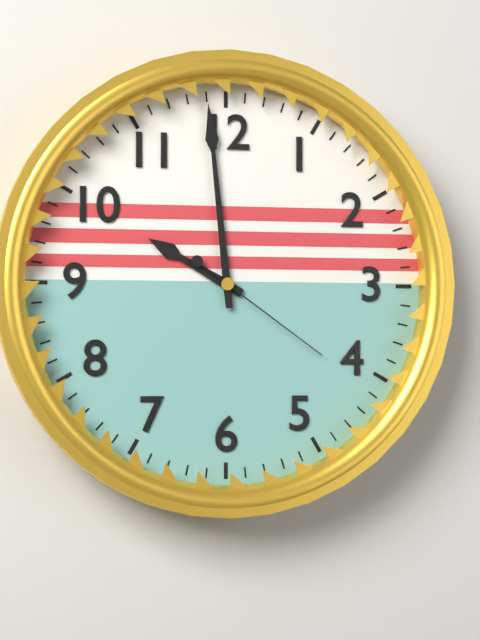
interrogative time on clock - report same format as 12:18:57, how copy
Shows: 9:59:21
